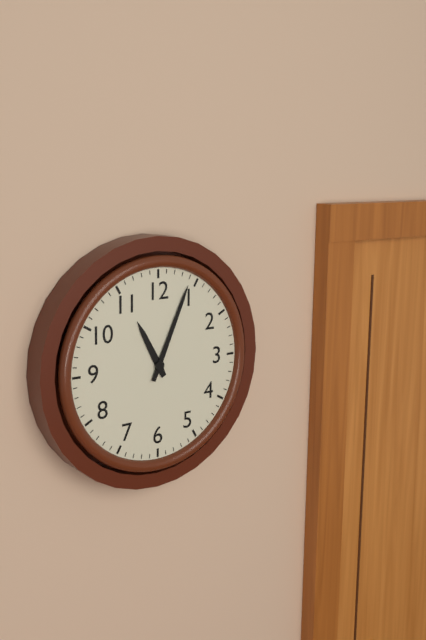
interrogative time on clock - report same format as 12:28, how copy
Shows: 11:04
